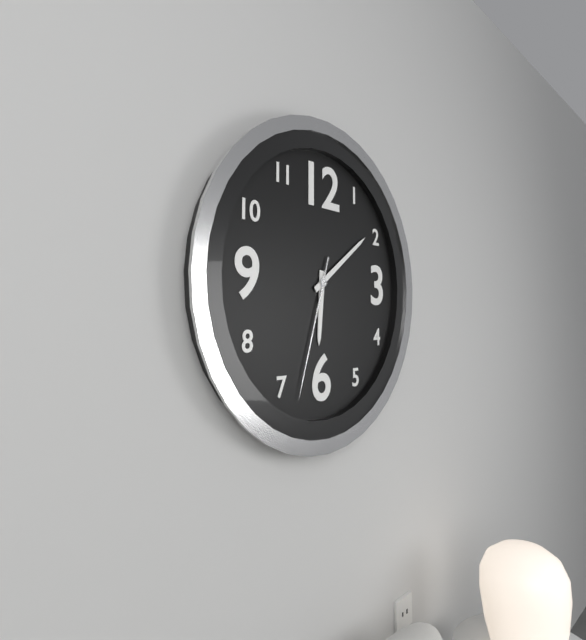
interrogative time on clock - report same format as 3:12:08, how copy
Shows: 6:09:33
